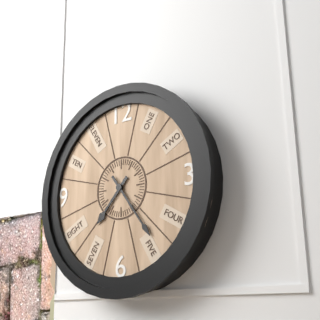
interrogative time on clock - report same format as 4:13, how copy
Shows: 7:24
